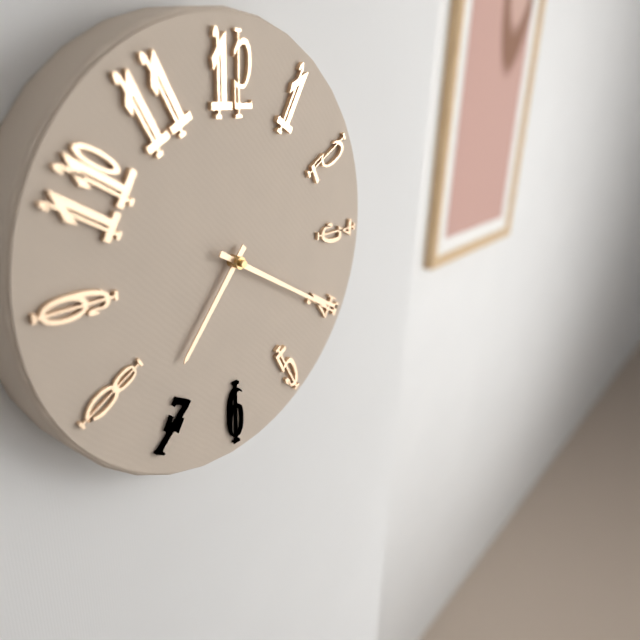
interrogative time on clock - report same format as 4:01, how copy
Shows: 7:20
